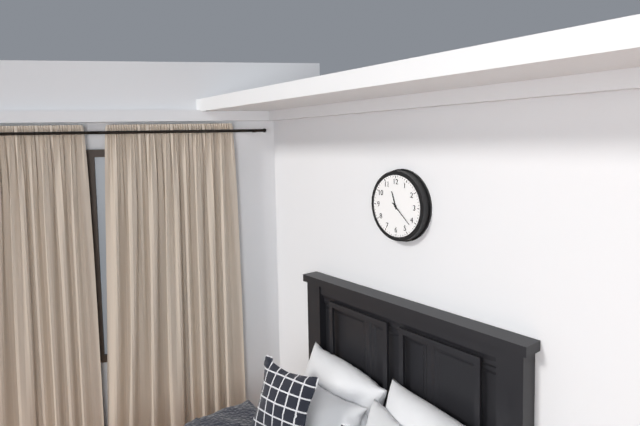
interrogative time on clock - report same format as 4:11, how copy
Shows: 11:22
